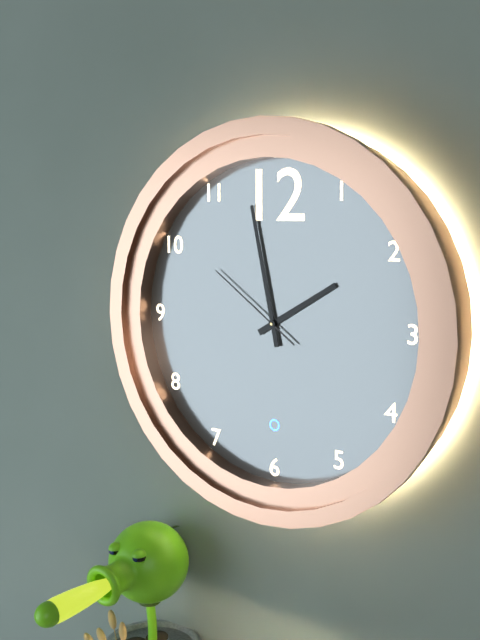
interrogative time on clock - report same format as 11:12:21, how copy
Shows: 1:58:51
